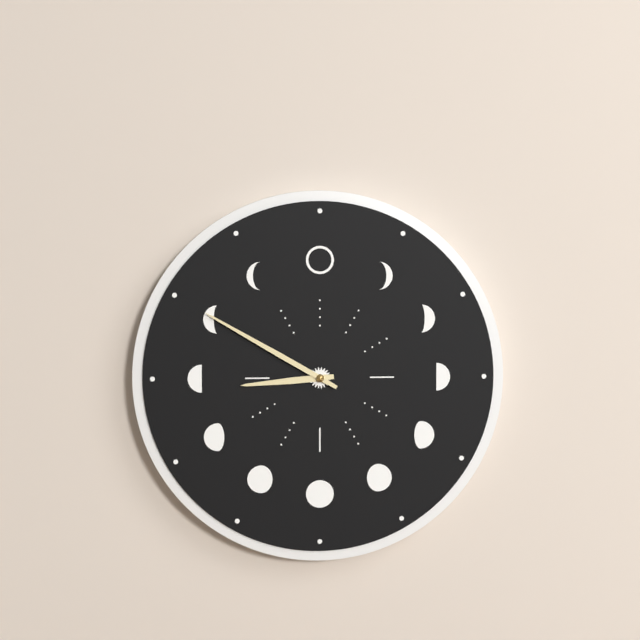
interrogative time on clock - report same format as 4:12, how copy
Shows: 8:50
